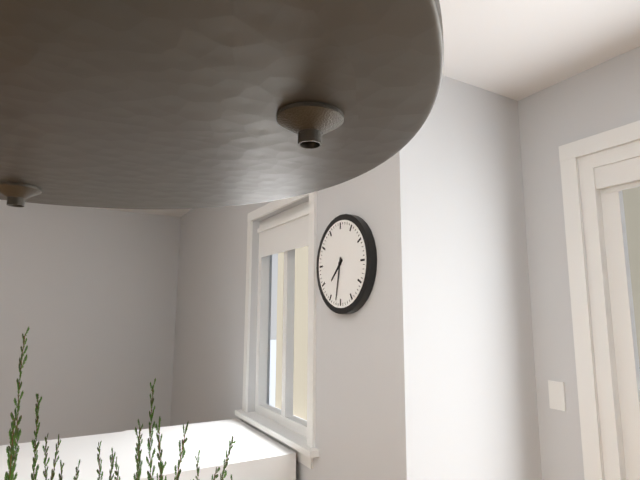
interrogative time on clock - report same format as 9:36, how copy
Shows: 7:32
